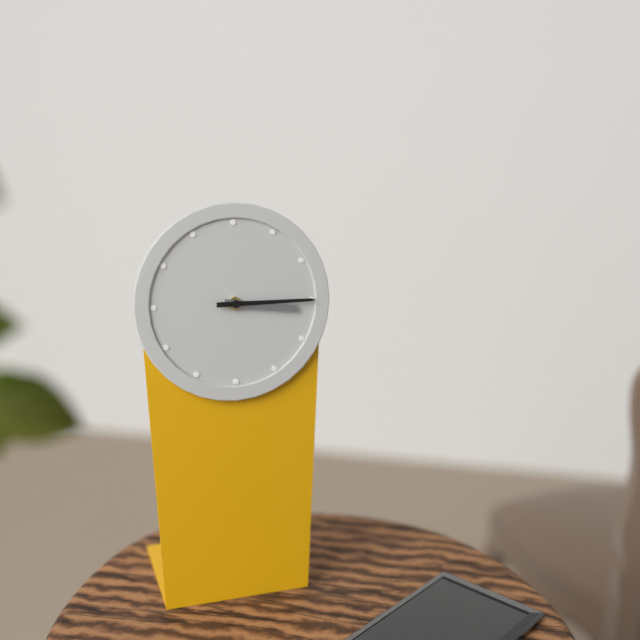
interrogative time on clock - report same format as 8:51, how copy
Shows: 3:15
